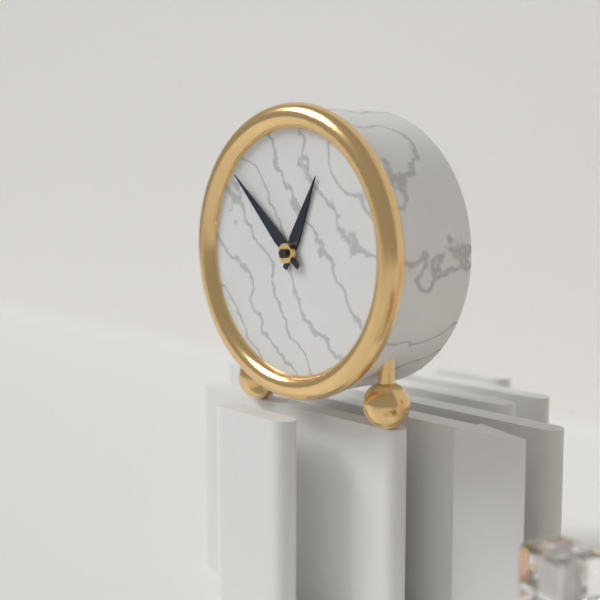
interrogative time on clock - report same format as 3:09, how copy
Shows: 12:52
